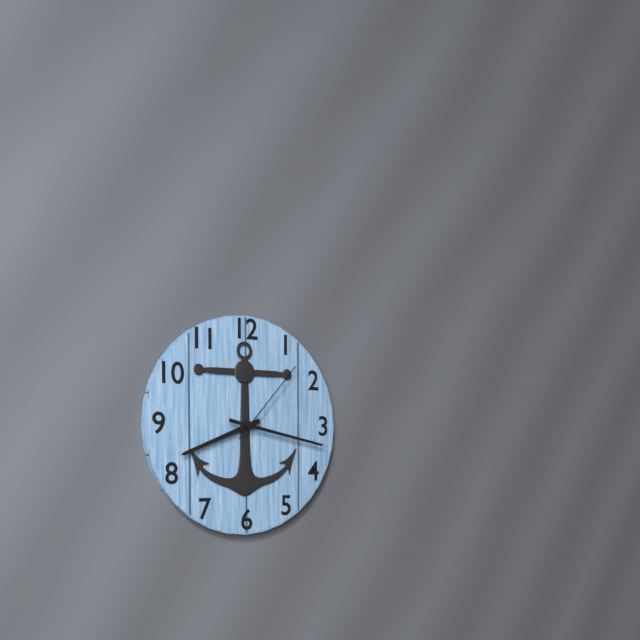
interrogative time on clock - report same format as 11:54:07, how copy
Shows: 8:17:07
